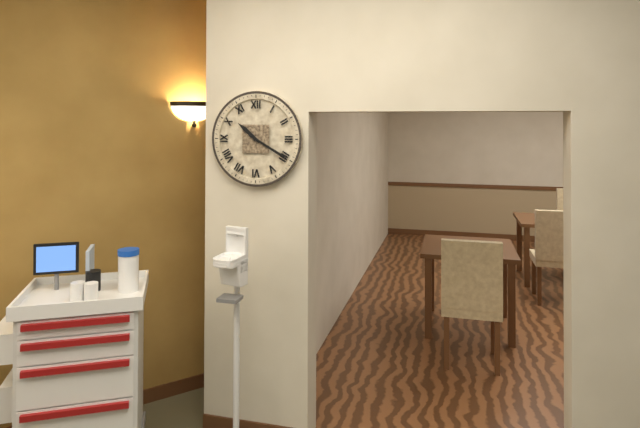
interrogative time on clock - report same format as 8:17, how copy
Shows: 10:20
